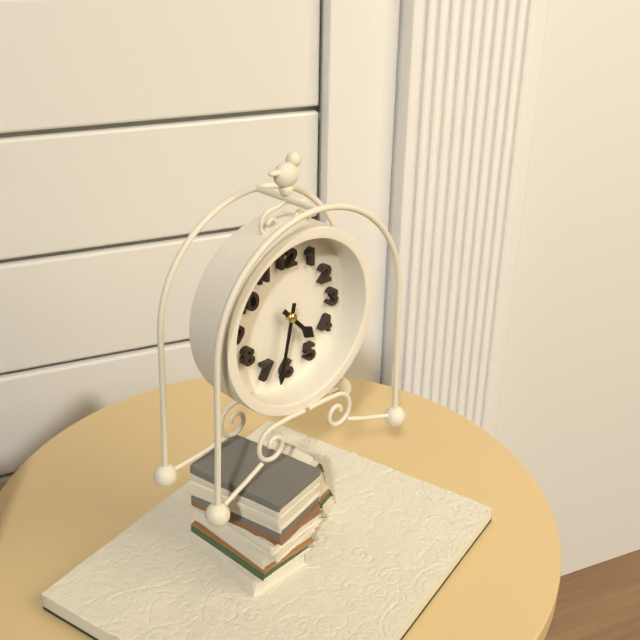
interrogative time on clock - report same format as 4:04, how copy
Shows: 4:32
